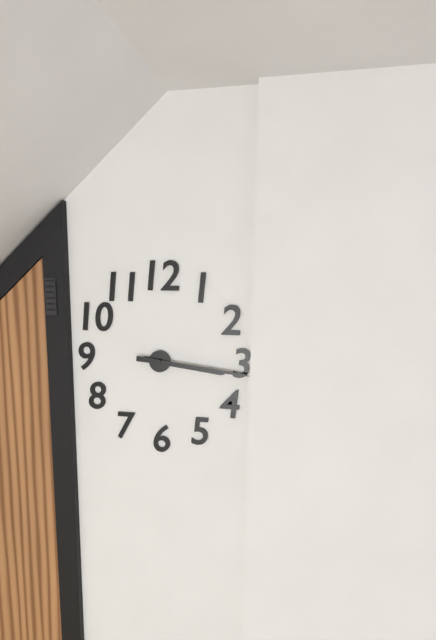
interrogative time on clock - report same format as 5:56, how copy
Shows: 3:16
